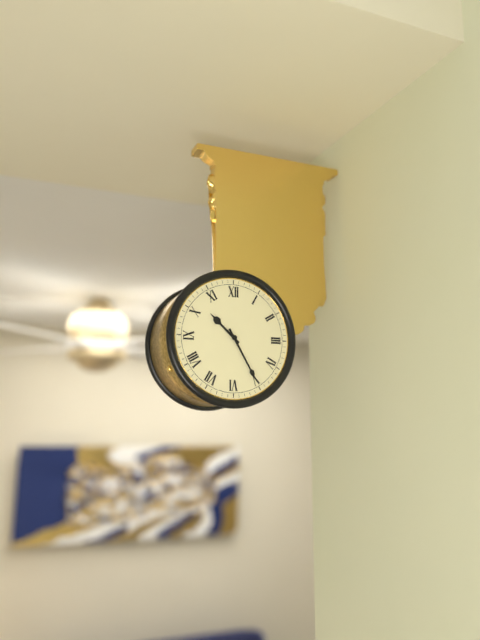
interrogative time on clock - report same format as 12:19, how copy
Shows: 10:25
